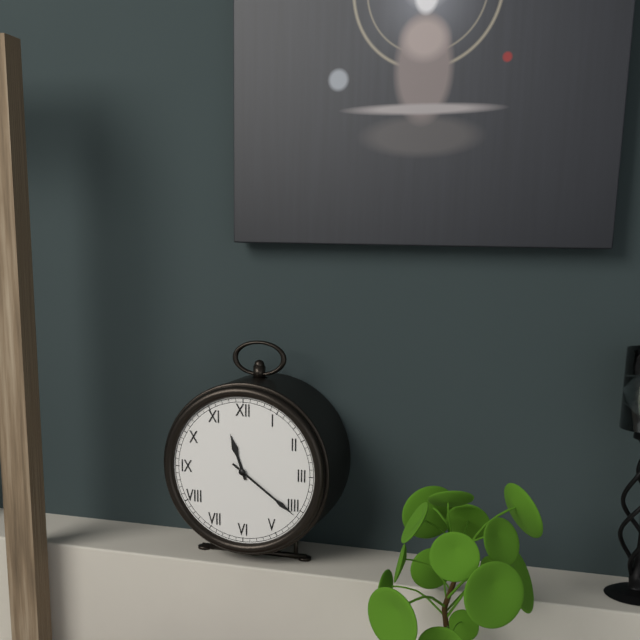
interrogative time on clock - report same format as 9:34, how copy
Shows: 11:21
